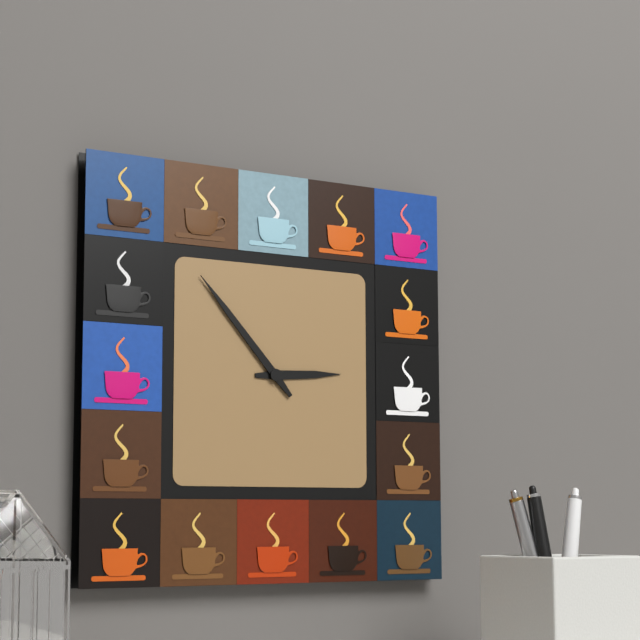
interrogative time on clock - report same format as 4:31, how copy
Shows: 2:53
